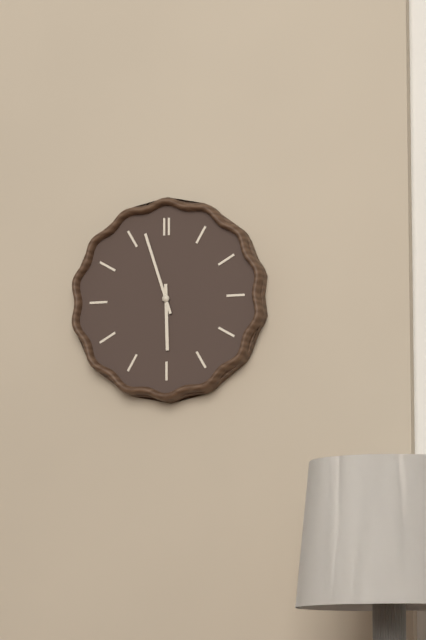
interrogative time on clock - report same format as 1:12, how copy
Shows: 5:57
